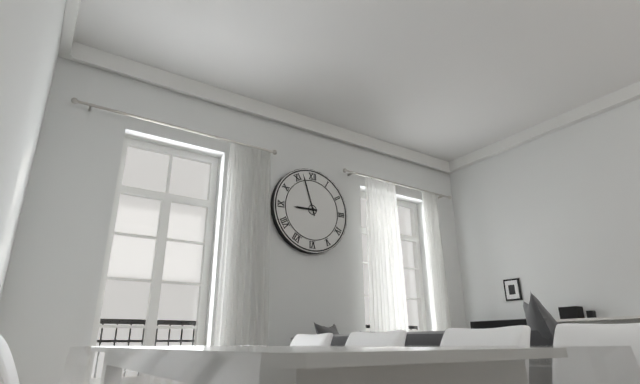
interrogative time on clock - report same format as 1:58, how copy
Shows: 8:57
